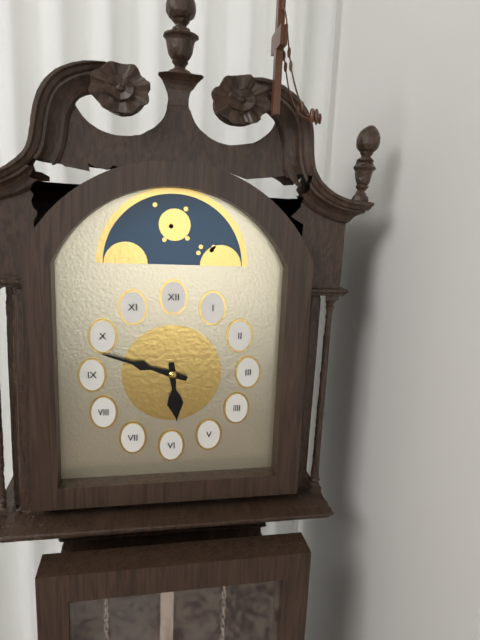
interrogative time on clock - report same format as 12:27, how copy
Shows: 5:48
